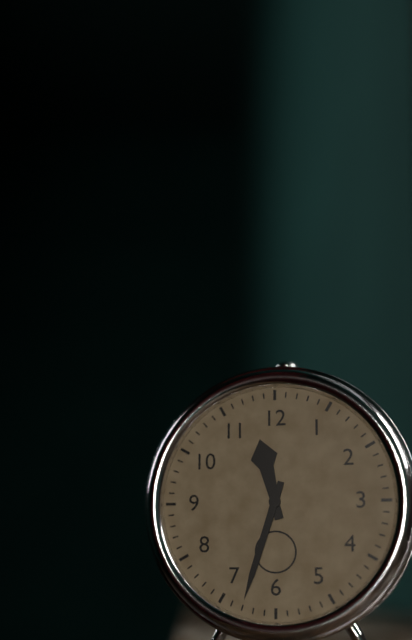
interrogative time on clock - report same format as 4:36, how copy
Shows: 11:33
